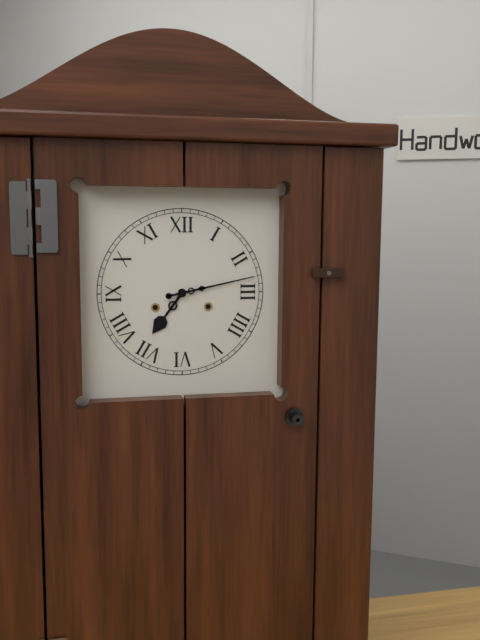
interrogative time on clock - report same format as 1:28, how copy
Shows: 7:13
